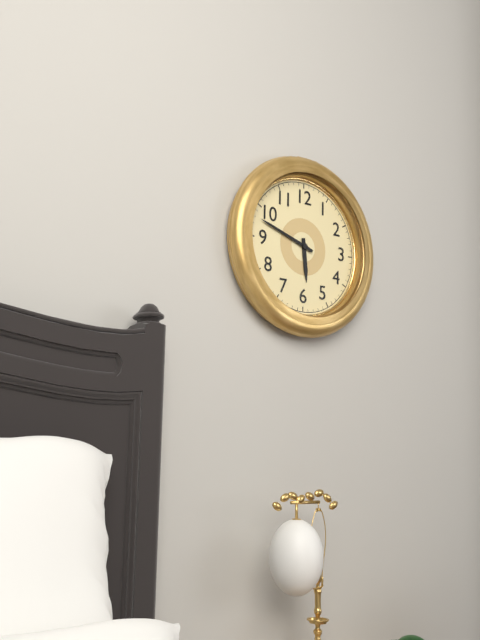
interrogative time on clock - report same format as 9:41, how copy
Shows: 5:48
